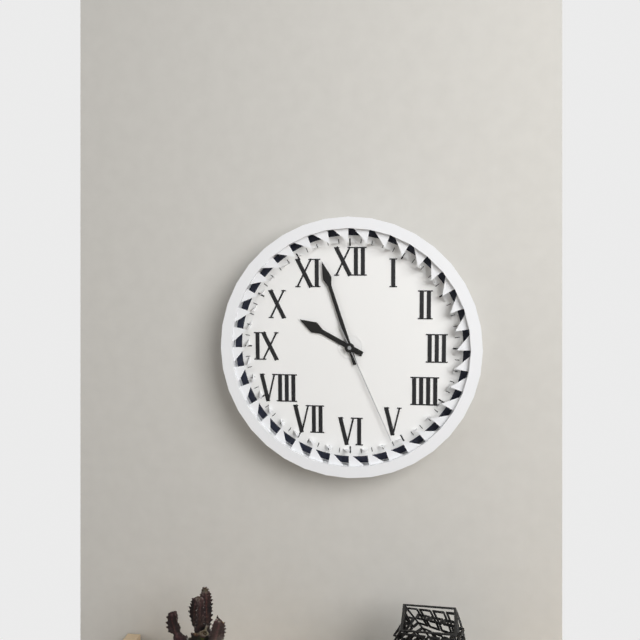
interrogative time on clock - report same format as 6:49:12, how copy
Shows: 9:57:26
